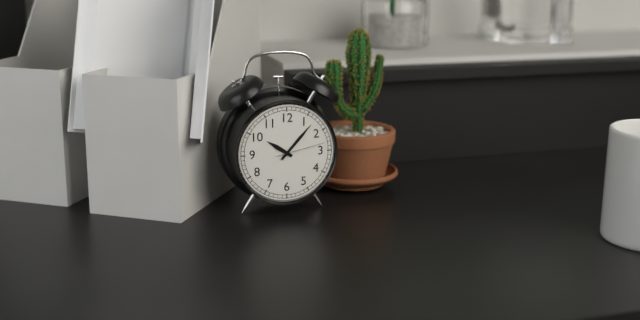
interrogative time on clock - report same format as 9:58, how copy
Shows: 10:07
